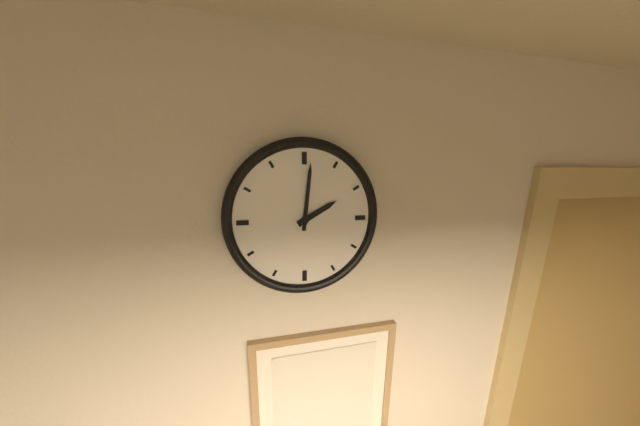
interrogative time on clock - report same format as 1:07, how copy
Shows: 2:01
